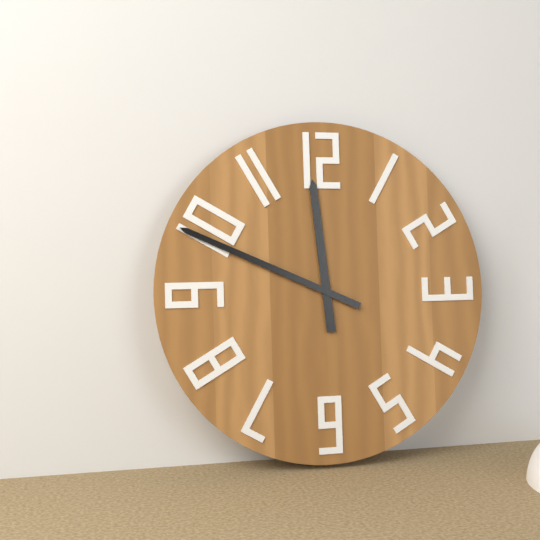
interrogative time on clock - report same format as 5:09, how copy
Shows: 11:49
